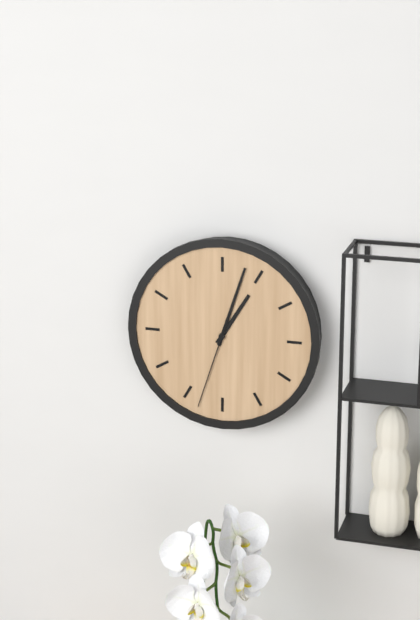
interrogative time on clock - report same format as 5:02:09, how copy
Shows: 1:03:33
